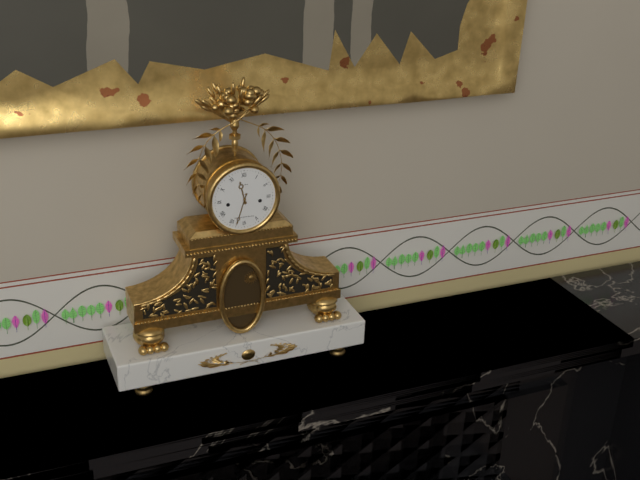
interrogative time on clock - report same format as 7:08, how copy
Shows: 11:33
